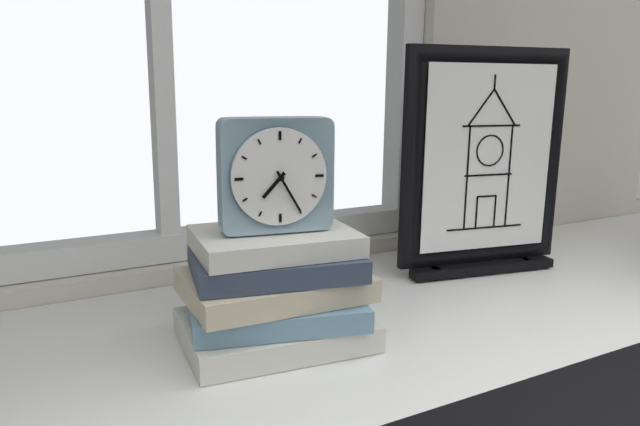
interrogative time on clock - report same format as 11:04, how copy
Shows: 7:25
